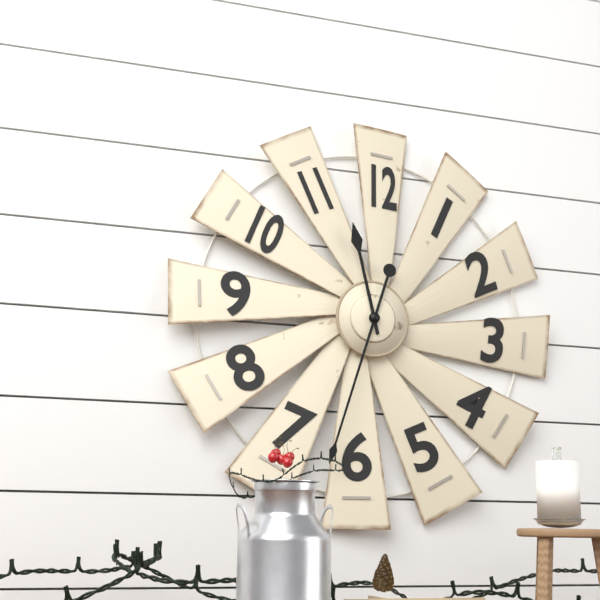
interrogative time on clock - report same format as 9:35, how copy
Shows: 11:33
